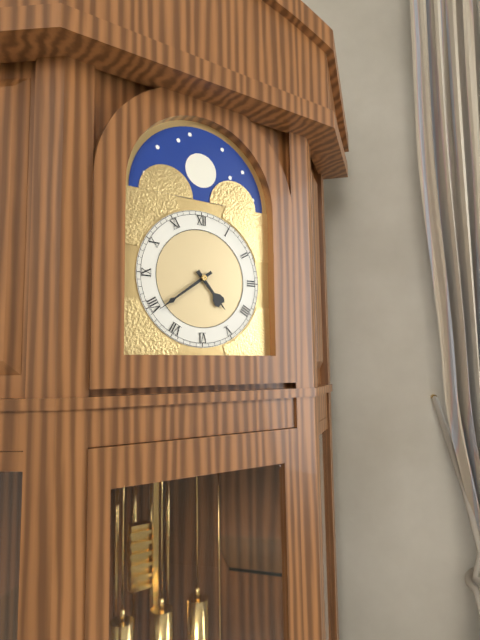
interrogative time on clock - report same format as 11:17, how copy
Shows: 4:39
